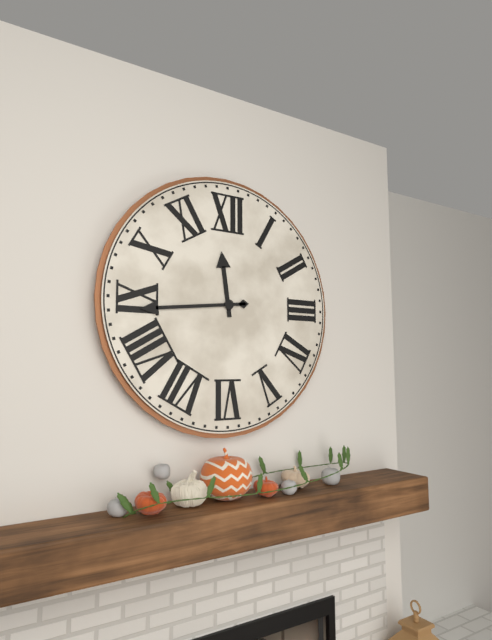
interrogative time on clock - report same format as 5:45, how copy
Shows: 11:44
